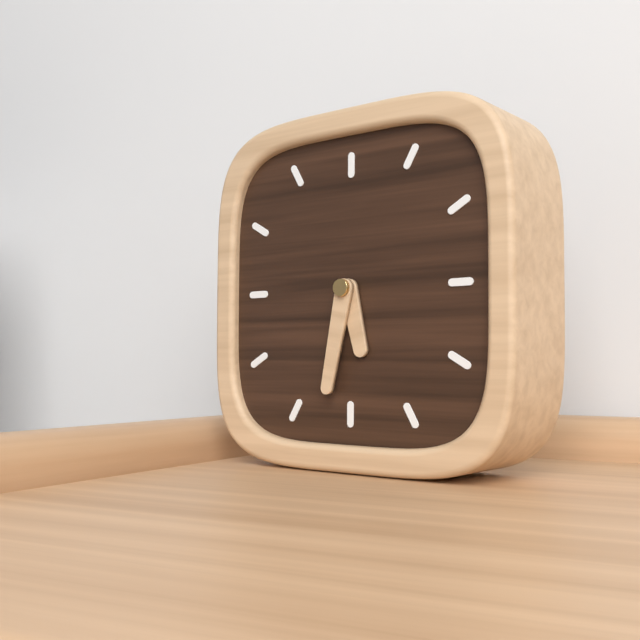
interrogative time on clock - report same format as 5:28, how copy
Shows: 5:32
